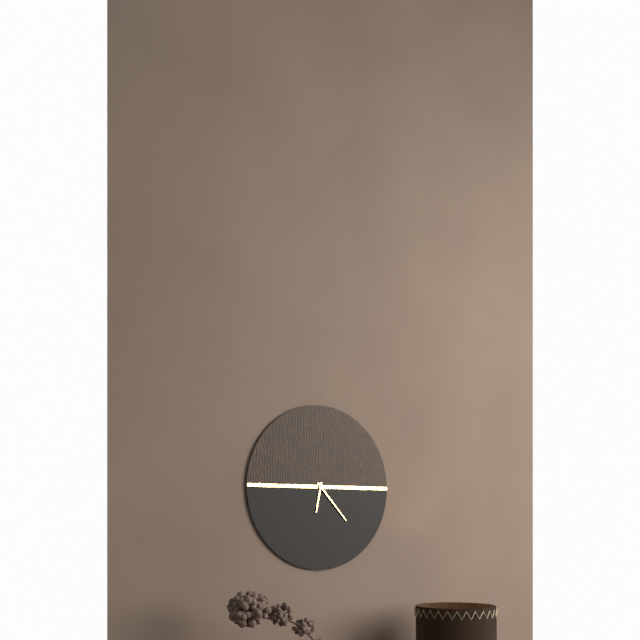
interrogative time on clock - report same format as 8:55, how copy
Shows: 6:23
